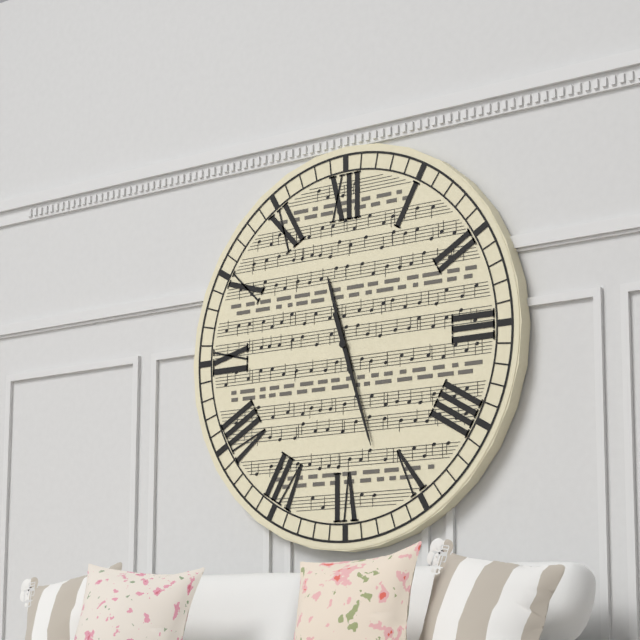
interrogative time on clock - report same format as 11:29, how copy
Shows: 11:27
